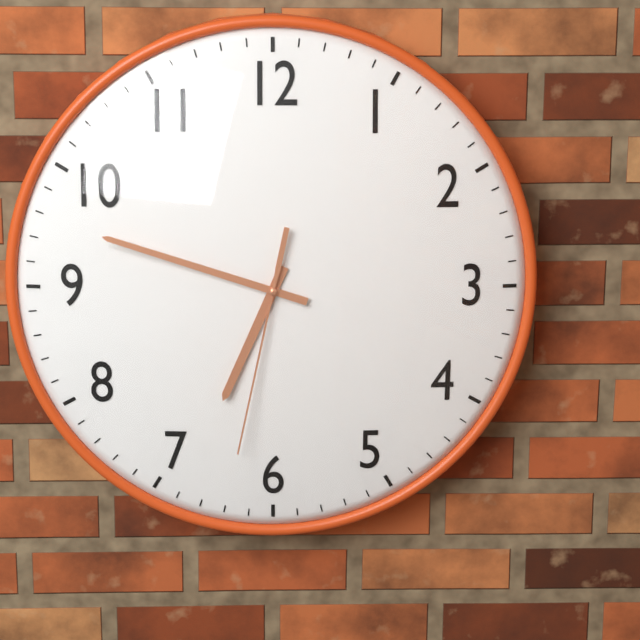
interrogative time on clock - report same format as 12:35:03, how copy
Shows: 6:48:32
